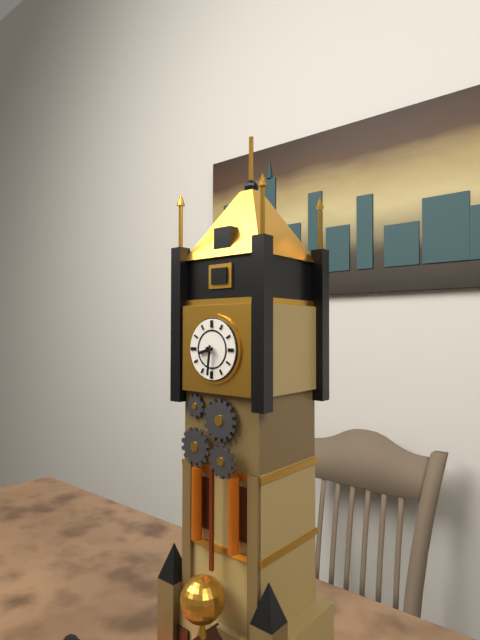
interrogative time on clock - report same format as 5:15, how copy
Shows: 8:31
